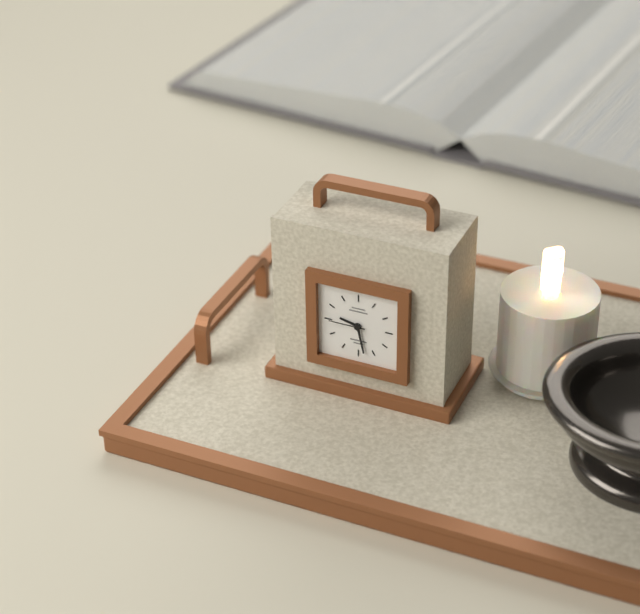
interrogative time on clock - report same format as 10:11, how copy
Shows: 9:28
